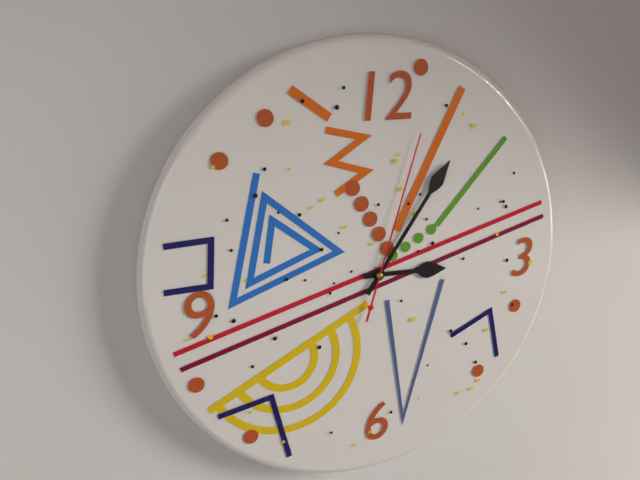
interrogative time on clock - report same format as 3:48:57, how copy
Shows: 3:06:03
